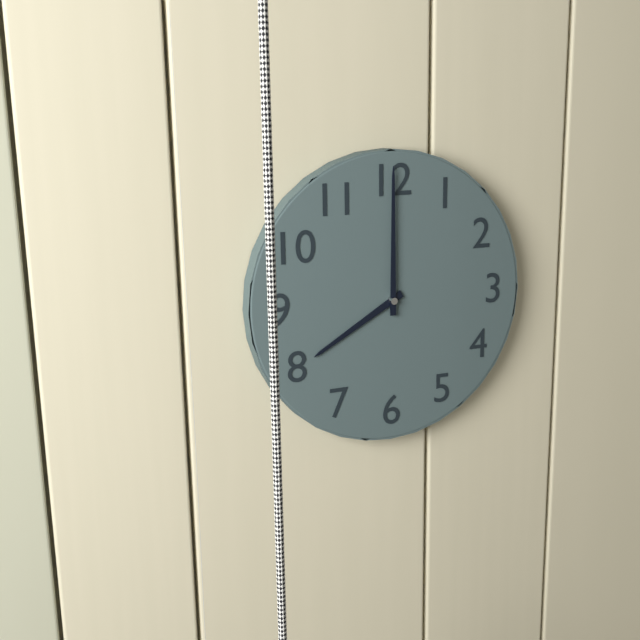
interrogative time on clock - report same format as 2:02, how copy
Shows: 8:00
